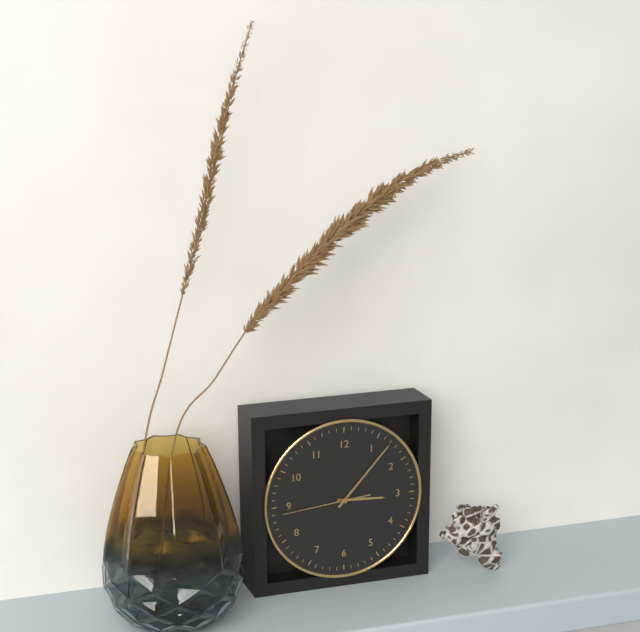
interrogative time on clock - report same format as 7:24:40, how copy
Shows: 3:07:44
